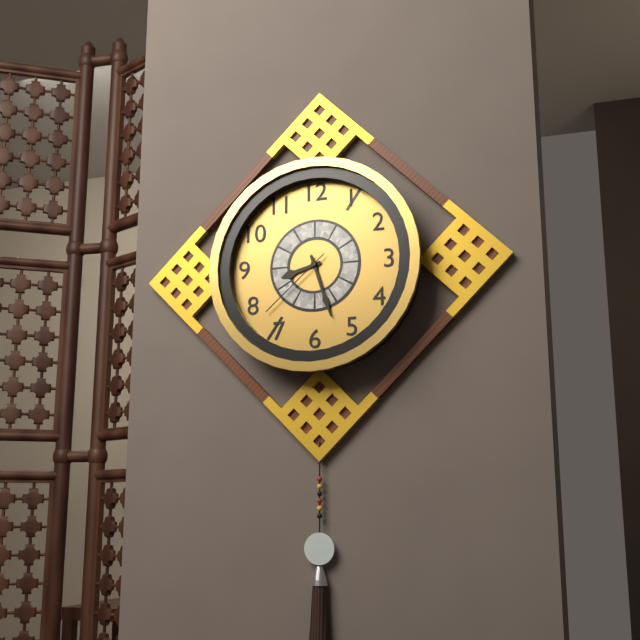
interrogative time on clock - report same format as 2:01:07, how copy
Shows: 8:27:38
